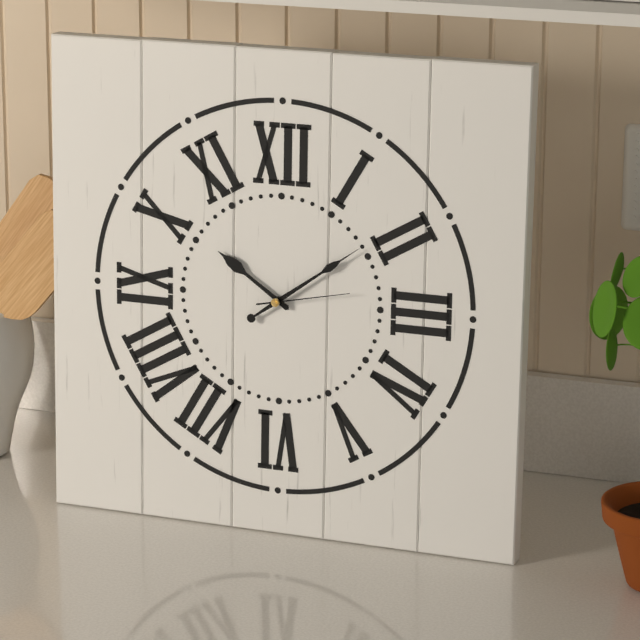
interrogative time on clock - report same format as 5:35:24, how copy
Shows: 10:09:13
